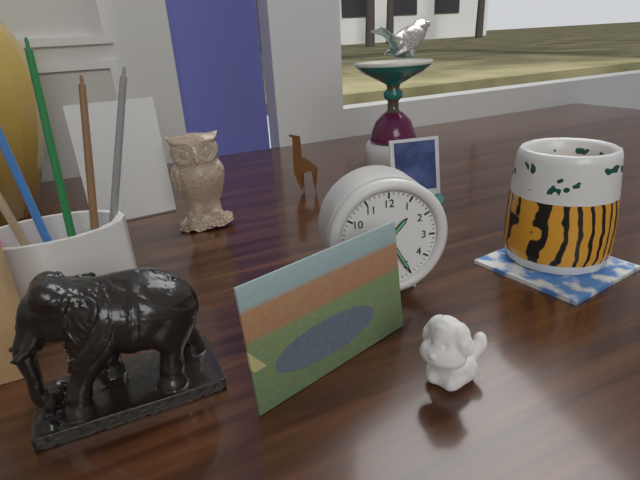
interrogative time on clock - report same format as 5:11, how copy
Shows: 1:25
